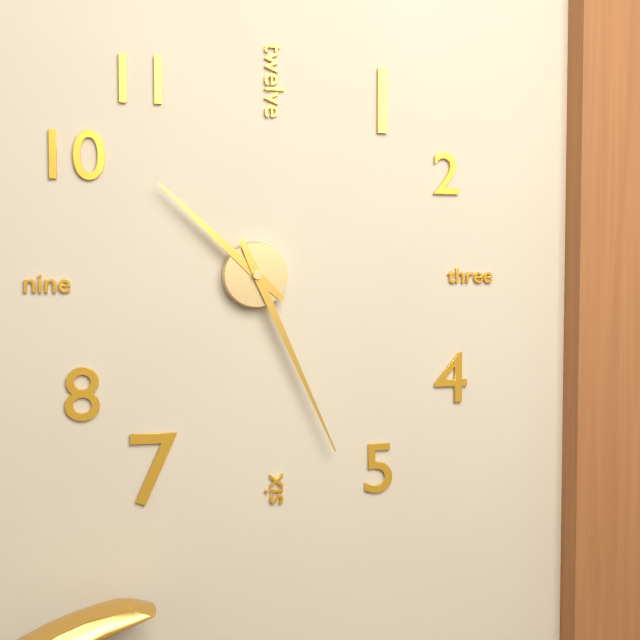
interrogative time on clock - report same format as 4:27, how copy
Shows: 10:26
